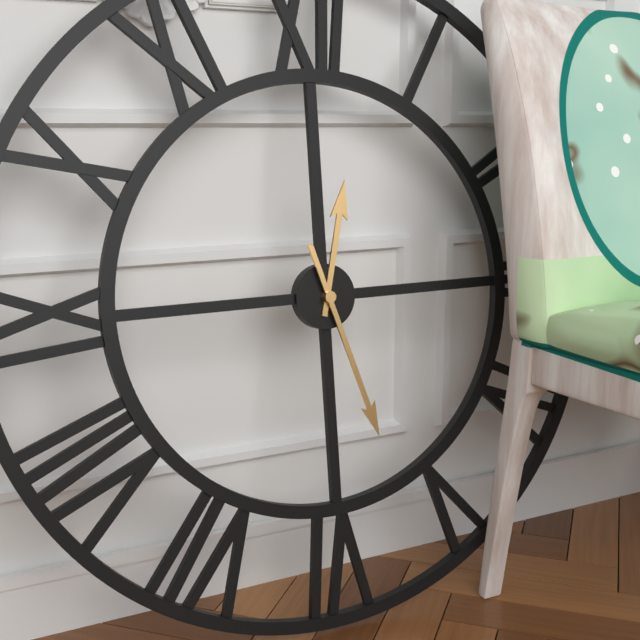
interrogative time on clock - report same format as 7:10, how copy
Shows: 12:27
